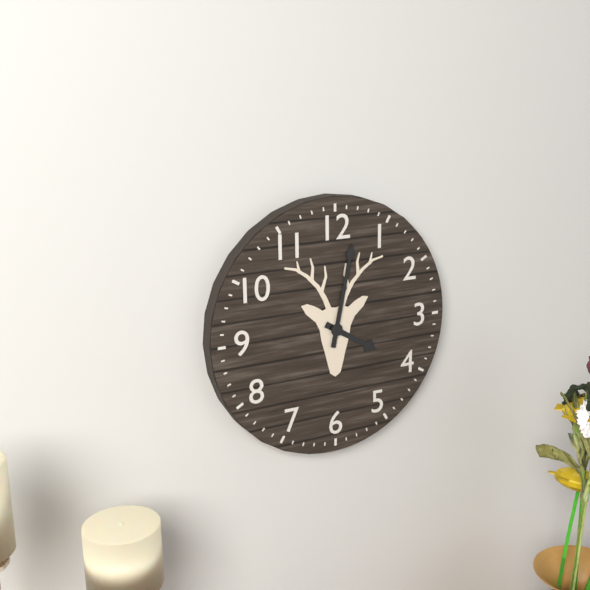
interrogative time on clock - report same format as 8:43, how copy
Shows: 4:02
